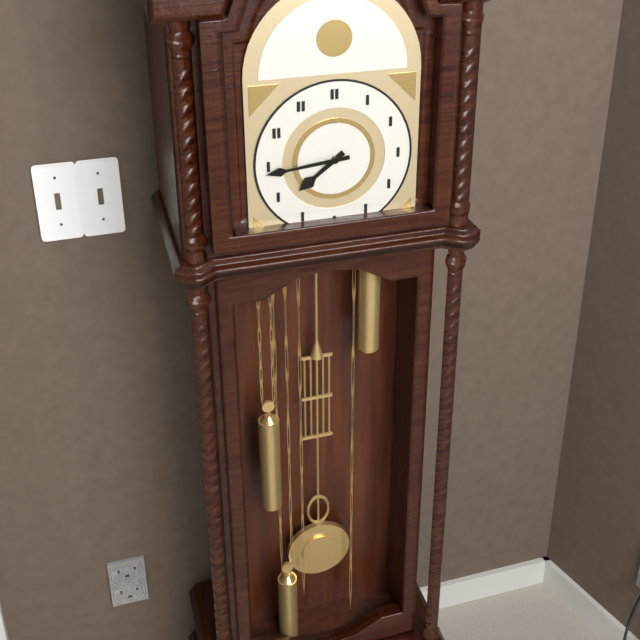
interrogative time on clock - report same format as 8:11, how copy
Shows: 7:44
